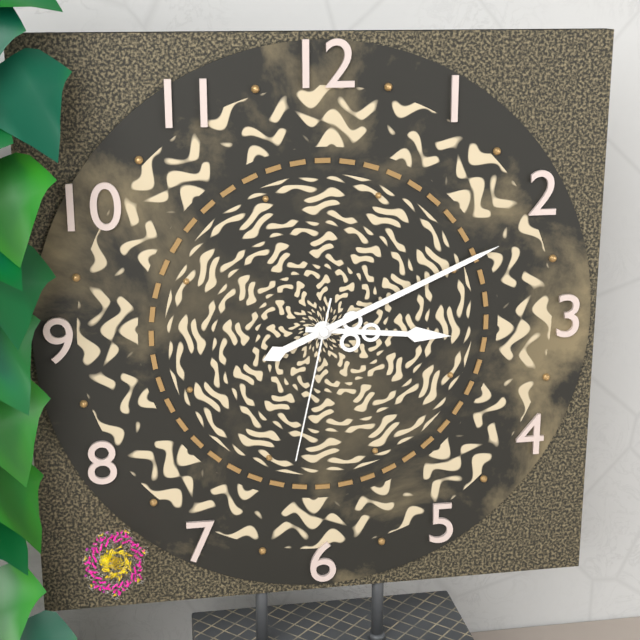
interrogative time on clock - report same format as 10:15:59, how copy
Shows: 3:11:32
